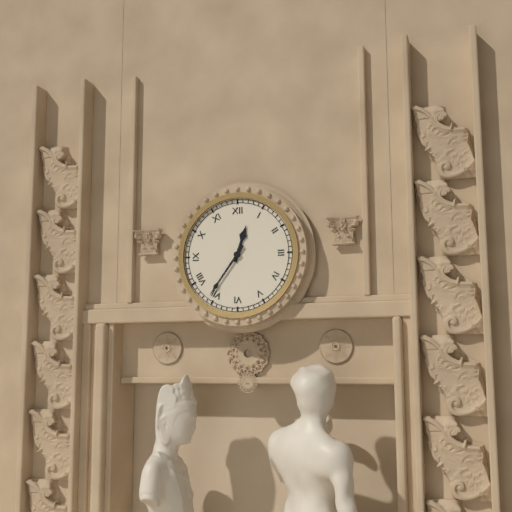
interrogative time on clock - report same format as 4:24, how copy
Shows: 12:36
